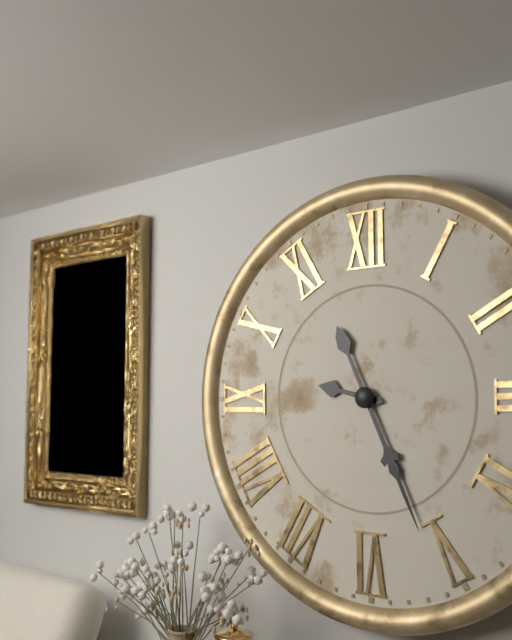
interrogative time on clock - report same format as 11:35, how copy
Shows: 9:26
